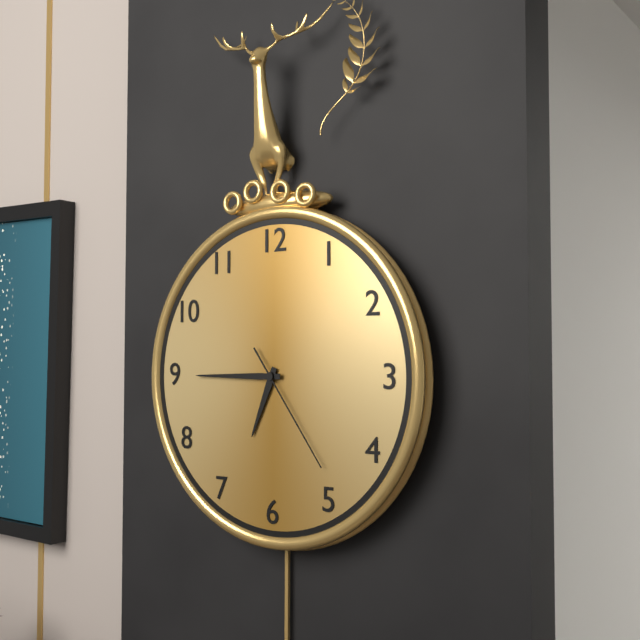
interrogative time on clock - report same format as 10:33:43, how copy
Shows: 6:45:24
